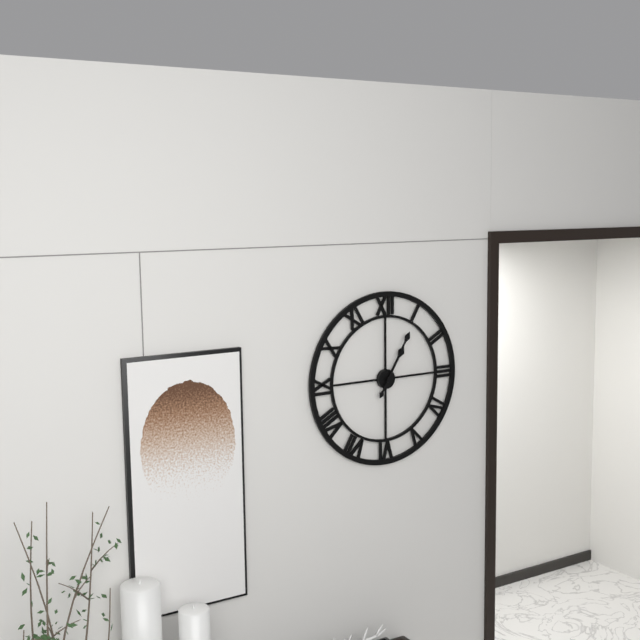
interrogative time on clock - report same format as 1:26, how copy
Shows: 1:05
